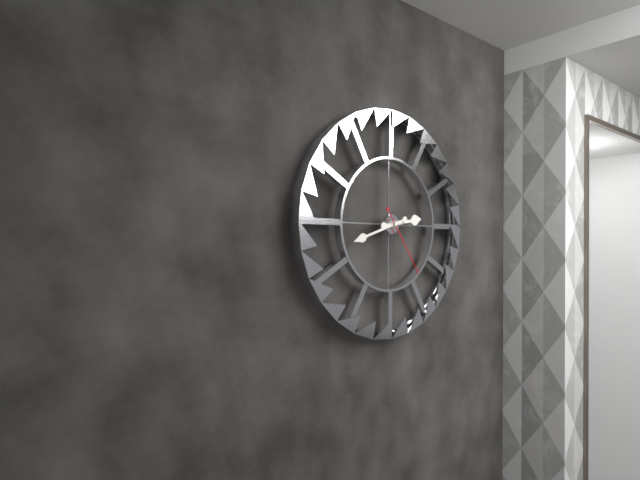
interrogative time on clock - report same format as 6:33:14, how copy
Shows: 2:42:24
